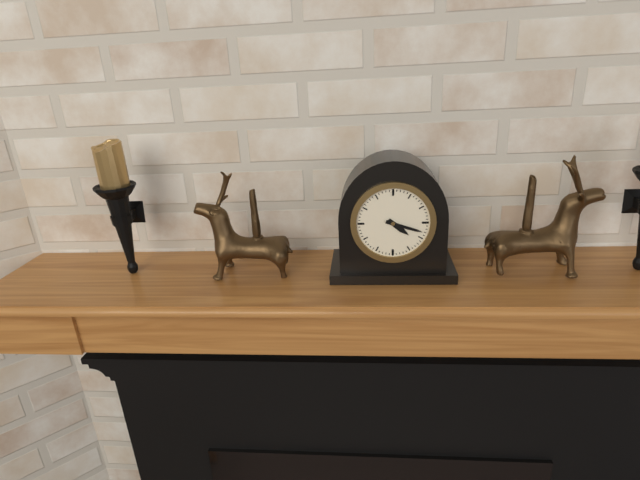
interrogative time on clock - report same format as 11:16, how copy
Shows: 4:18
